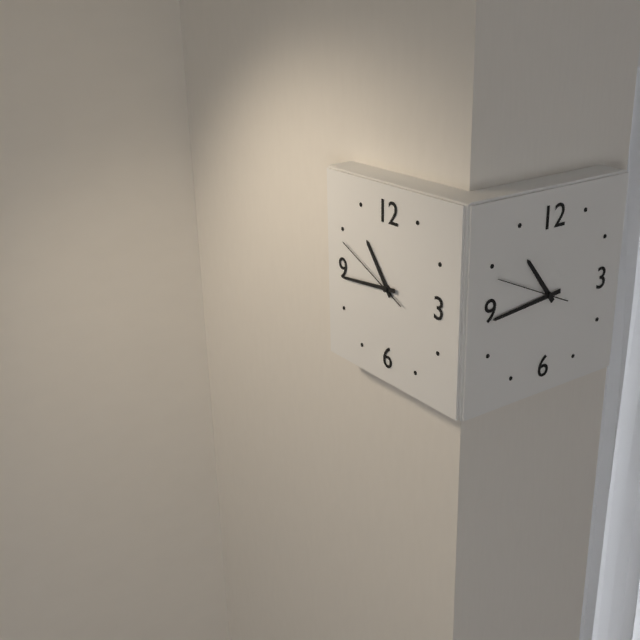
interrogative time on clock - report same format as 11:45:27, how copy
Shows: 10:44:49
